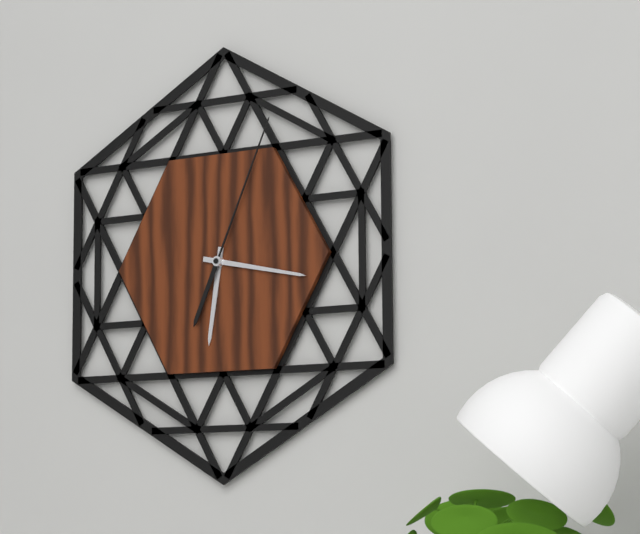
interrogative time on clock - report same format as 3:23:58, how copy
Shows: 6:17:04
